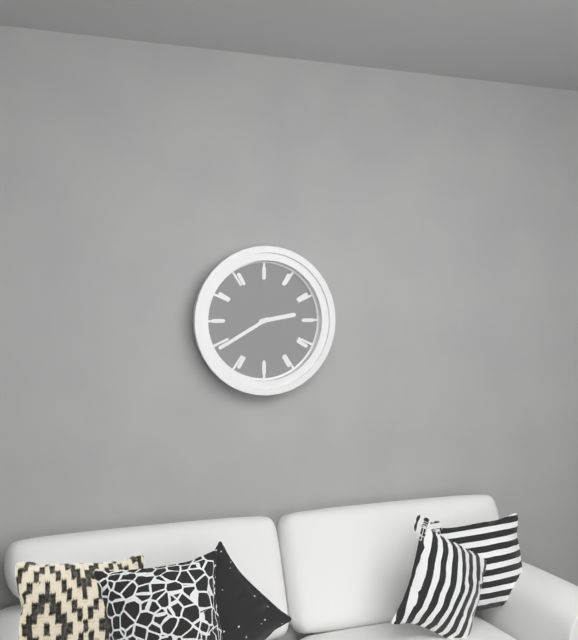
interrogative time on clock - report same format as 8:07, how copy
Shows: 2:40
